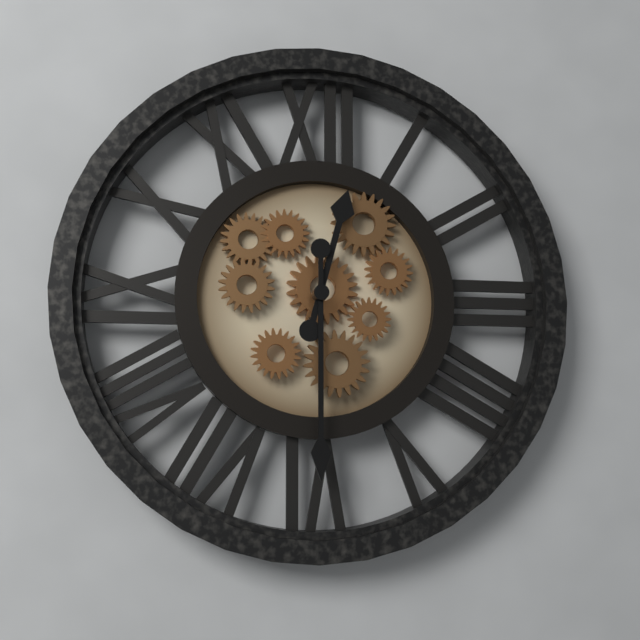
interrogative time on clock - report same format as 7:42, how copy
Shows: 12:30
